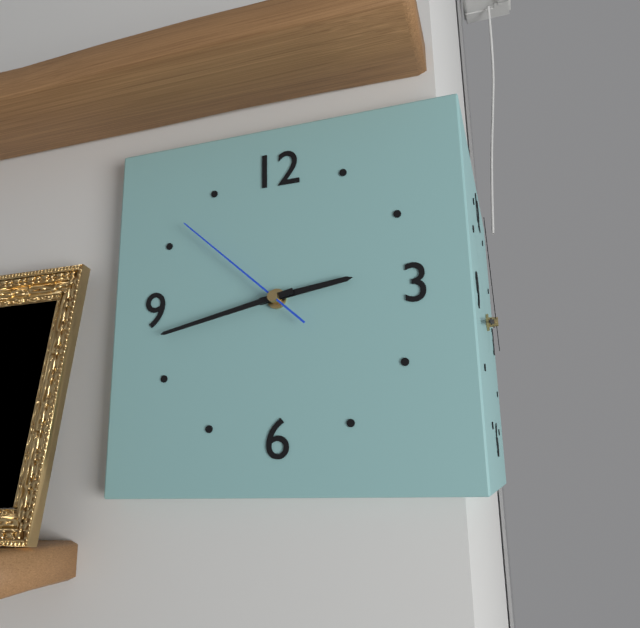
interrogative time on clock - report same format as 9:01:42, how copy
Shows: 2:43:52
